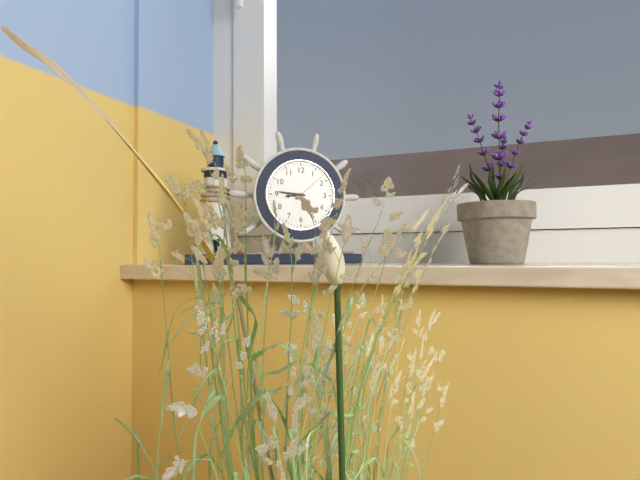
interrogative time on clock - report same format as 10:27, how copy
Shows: 8:46
